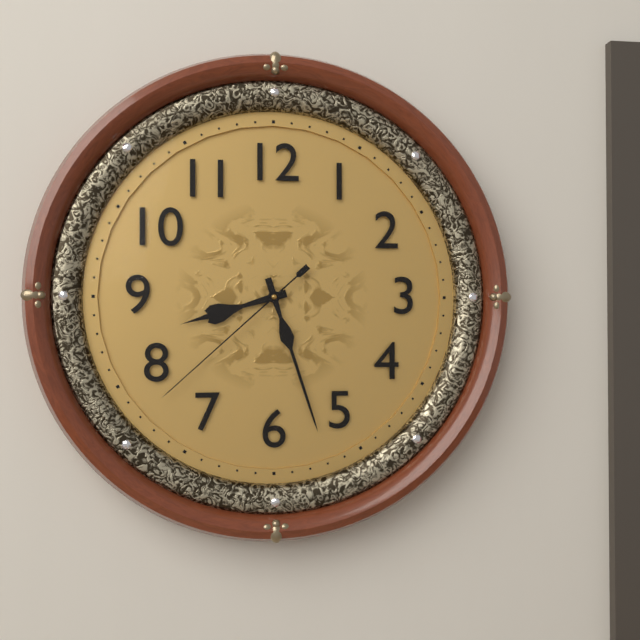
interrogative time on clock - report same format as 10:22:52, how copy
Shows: 8:27:38
